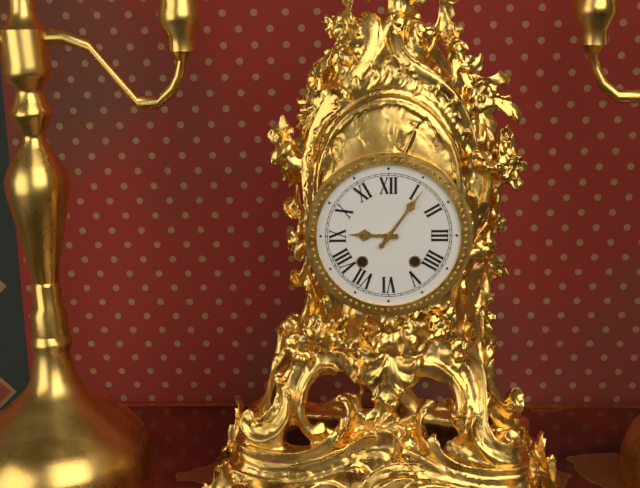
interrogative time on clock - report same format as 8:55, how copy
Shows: 9:06
